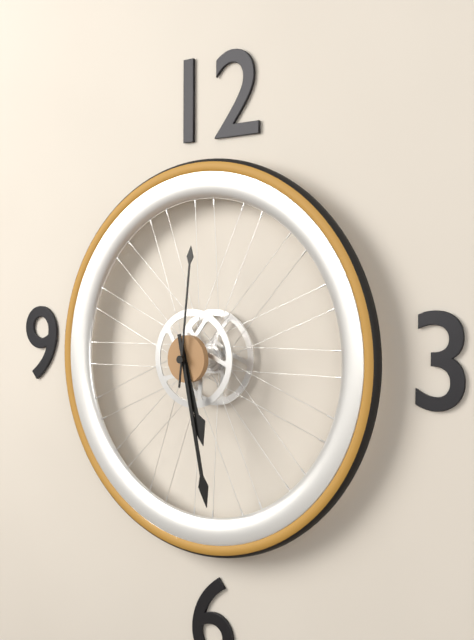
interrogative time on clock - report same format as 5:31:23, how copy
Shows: 5:28:01
